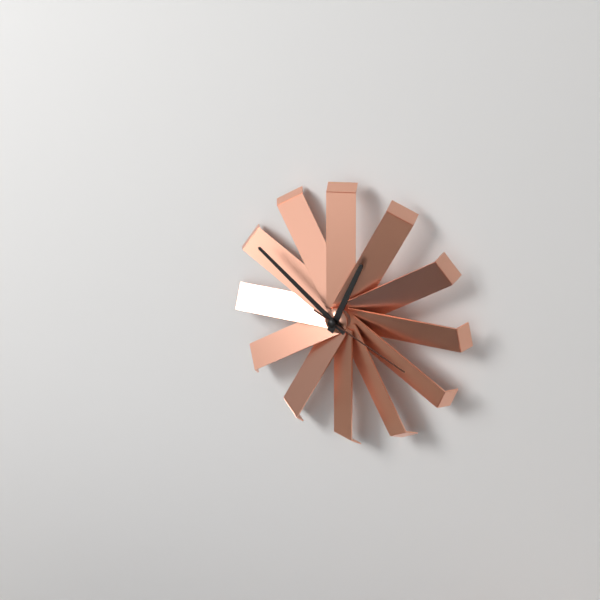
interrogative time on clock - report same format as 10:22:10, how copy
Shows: 12:51:19
